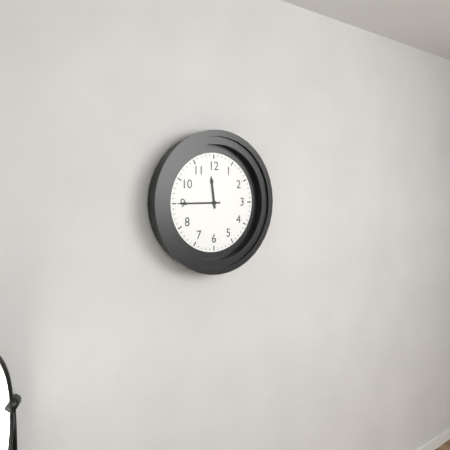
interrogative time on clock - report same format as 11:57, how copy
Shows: 11:45
